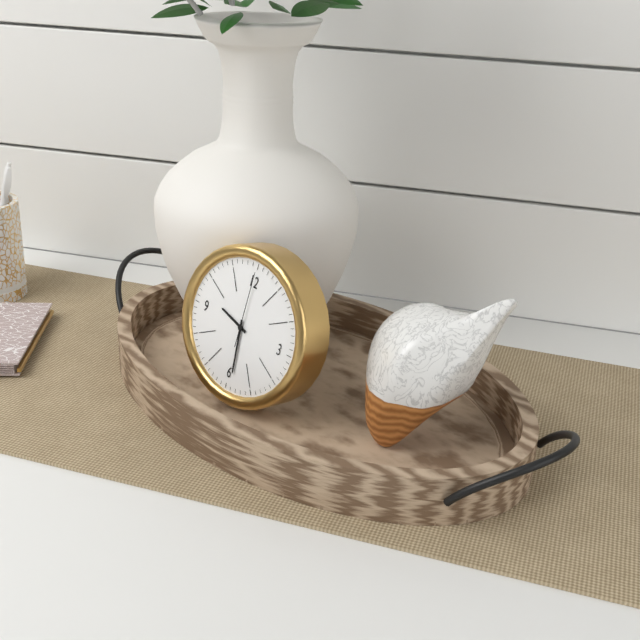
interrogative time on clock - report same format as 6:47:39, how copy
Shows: 9:29:00
